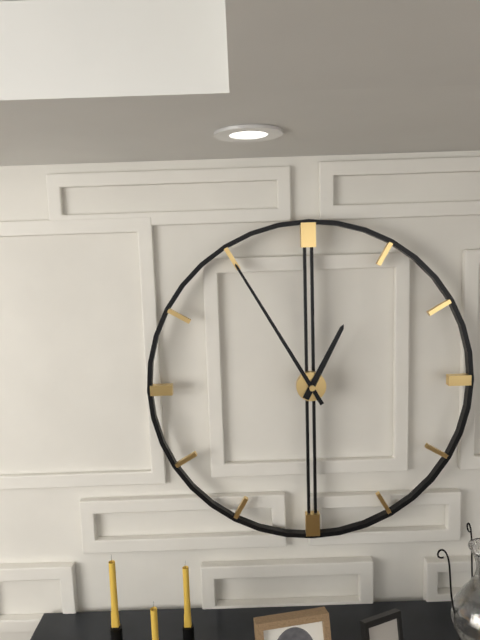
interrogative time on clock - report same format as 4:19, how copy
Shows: 12:55
